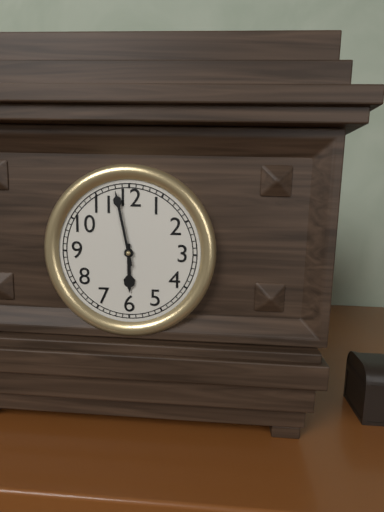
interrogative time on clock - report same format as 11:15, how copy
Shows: 5:58
